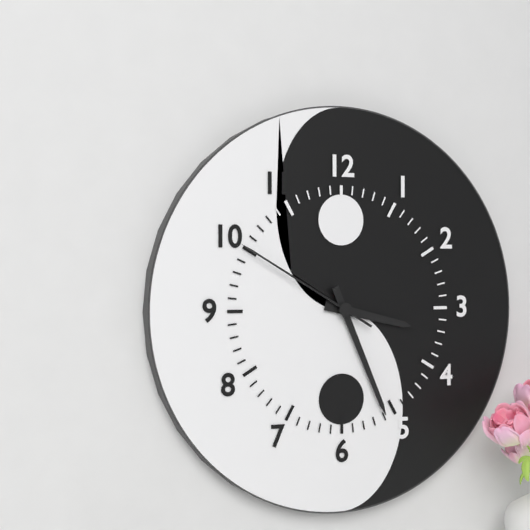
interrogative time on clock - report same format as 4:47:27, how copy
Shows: 3:26:50
